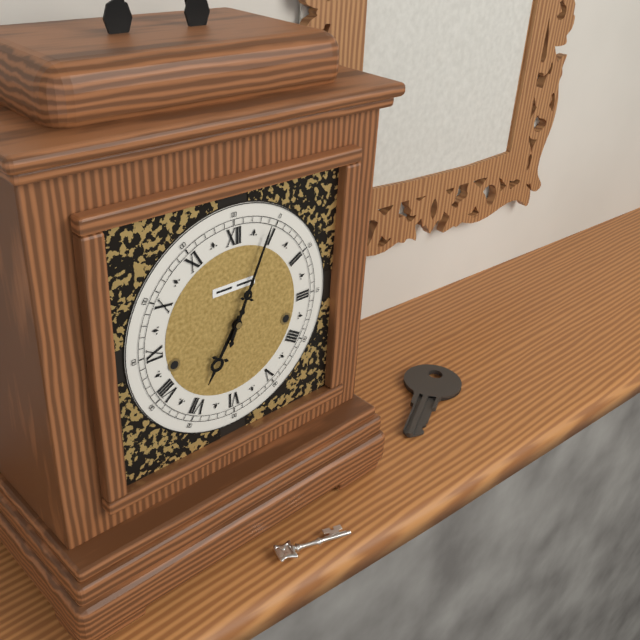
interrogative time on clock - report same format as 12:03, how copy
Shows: 7:04
